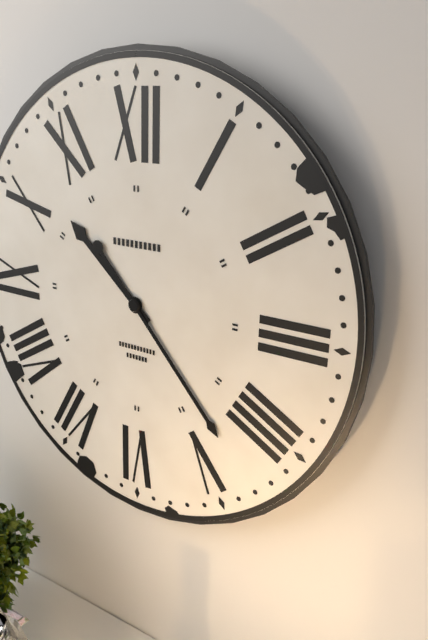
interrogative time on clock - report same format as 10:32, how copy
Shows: 10:23
